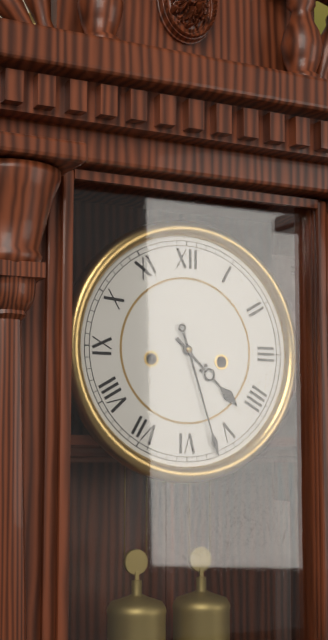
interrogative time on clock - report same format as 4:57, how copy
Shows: 4:27
